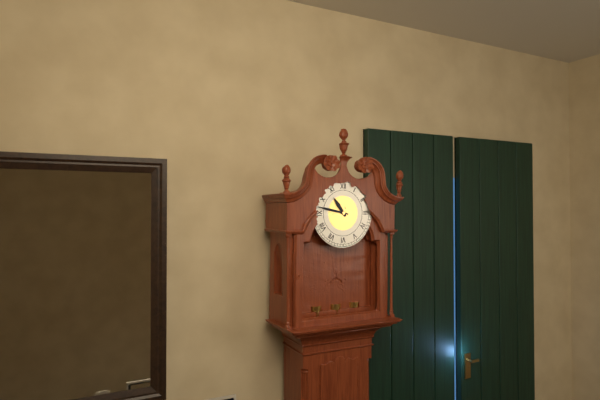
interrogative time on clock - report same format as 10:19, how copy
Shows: 10:47
